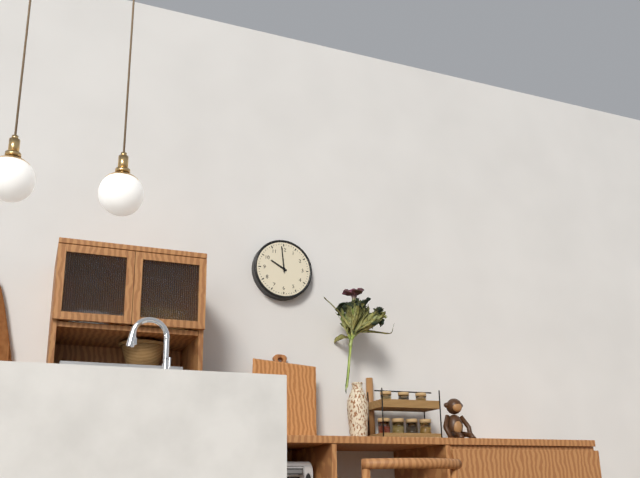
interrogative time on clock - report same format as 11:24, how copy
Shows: 9:59
